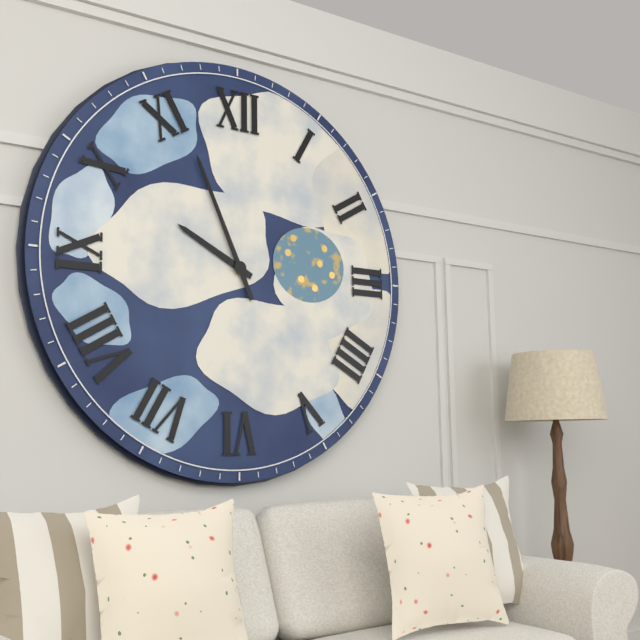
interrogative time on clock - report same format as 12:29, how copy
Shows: 9:56
